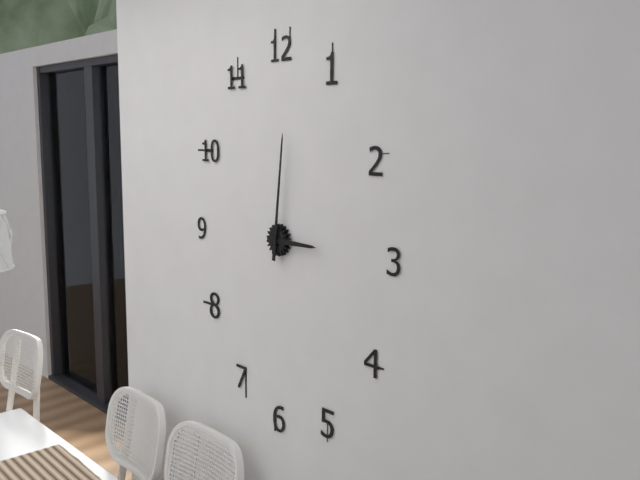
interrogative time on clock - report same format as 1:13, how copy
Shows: 3:01
